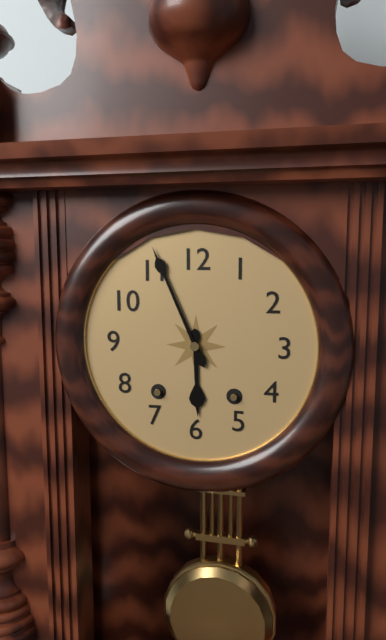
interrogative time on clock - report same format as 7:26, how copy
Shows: 5:56
